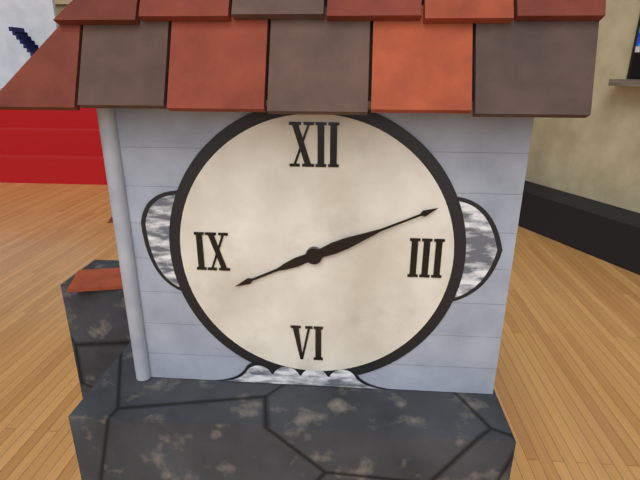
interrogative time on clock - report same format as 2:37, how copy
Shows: 8:11
